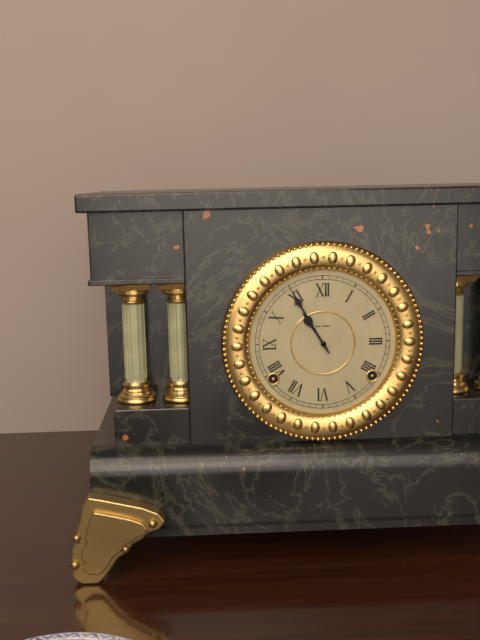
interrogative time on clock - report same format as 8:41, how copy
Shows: 10:55
